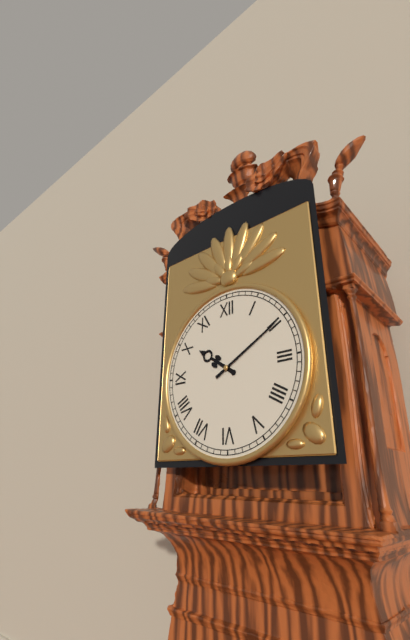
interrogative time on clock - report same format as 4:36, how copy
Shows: 10:10
